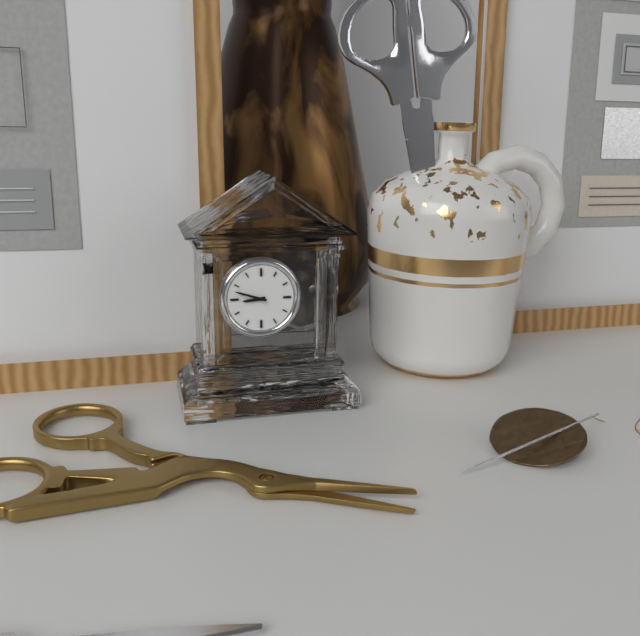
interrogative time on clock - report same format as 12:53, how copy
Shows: 8:48
